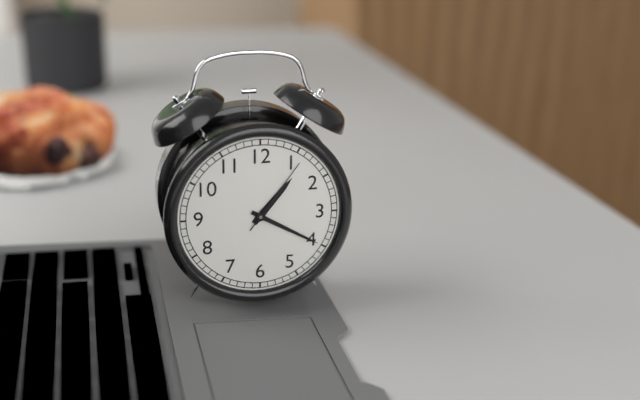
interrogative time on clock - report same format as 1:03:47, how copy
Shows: 1:20:06
